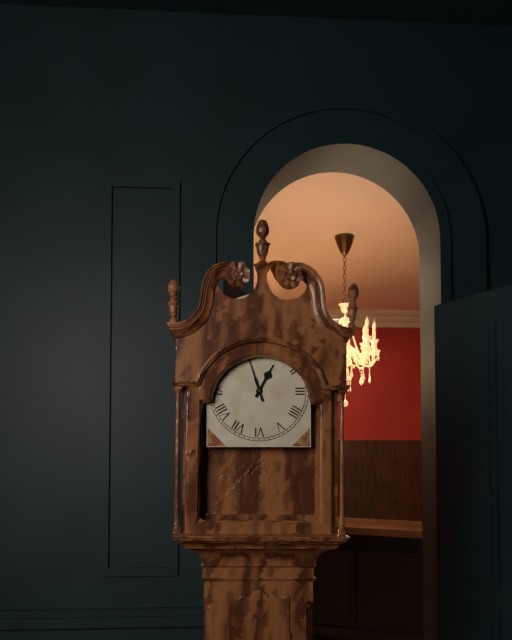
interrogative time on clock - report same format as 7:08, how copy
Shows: 12:57
